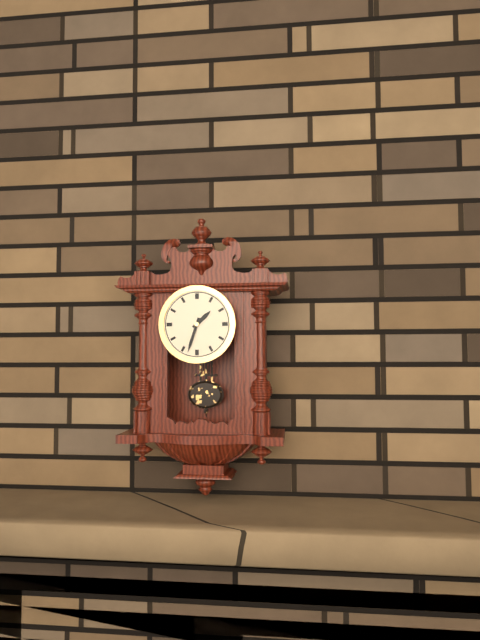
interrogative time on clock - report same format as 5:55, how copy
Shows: 1:33
